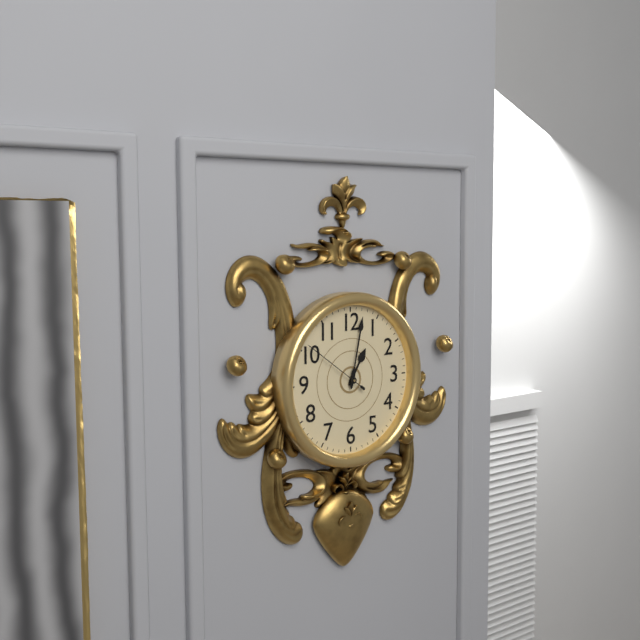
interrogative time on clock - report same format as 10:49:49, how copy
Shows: 1:02:51
